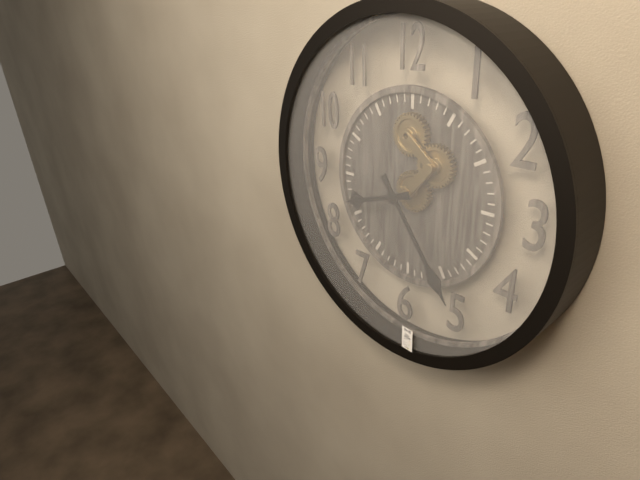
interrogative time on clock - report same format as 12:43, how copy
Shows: 8:24
